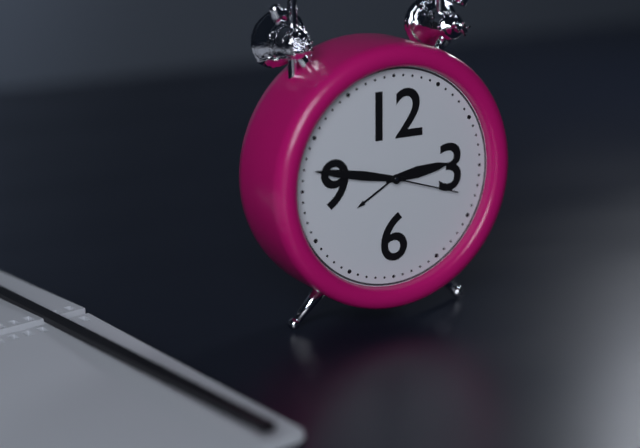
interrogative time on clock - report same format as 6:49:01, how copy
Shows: 2:47:18
